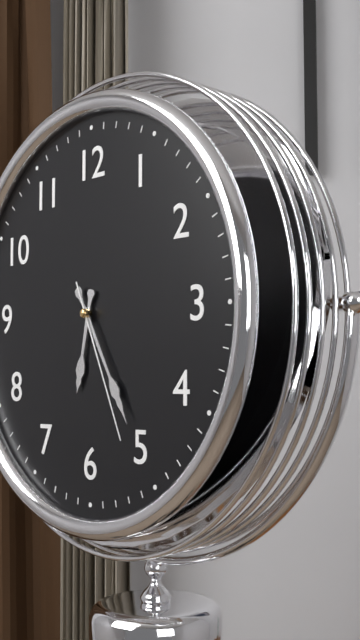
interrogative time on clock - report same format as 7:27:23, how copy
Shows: 6:25:26
